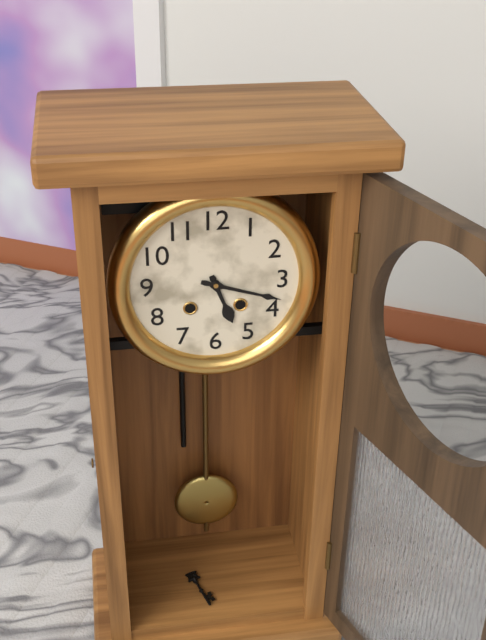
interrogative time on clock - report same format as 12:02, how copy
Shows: 5:18
